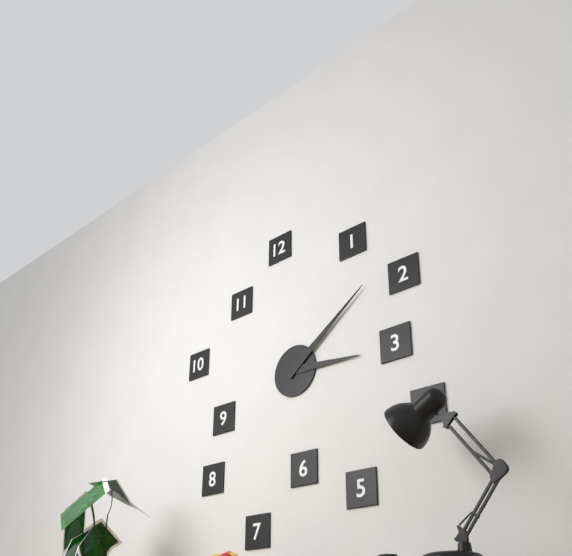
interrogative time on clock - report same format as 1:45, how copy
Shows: 3:09
